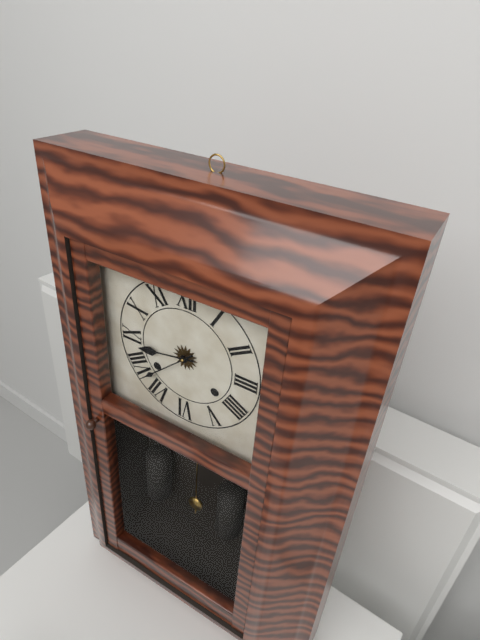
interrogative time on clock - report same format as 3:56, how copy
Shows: 8:38
